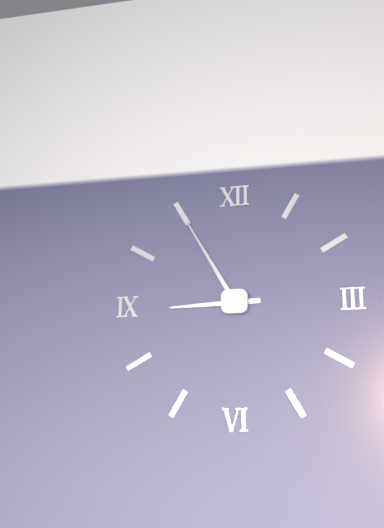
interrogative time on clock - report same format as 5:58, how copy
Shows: 8:55
